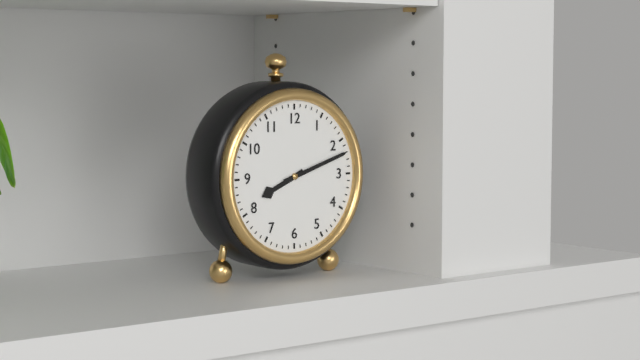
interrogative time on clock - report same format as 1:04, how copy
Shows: 8:12
